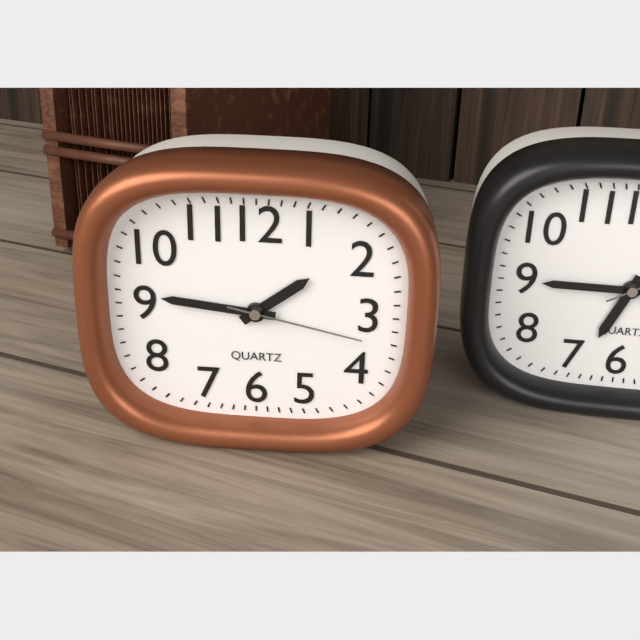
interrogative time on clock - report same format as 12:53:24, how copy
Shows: 1:46:17
